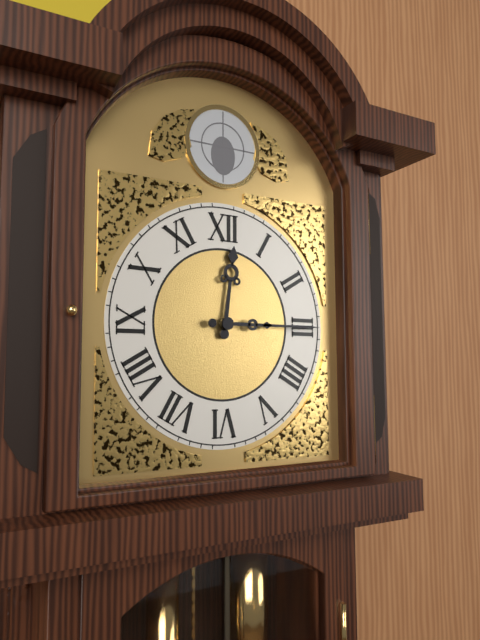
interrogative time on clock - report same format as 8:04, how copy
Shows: 12:15
